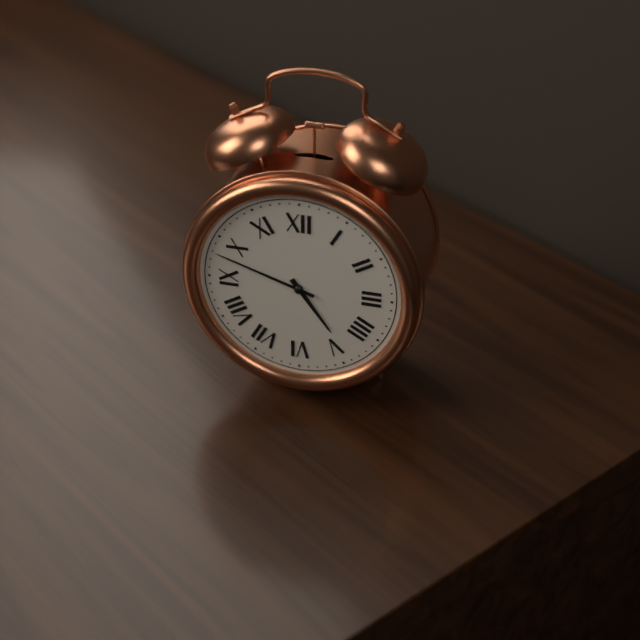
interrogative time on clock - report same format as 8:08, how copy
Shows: 4:48
